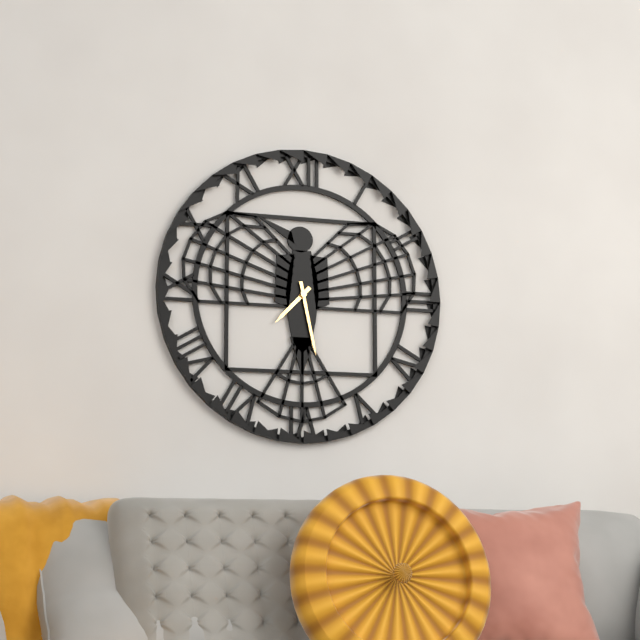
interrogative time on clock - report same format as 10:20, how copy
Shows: 7:28
